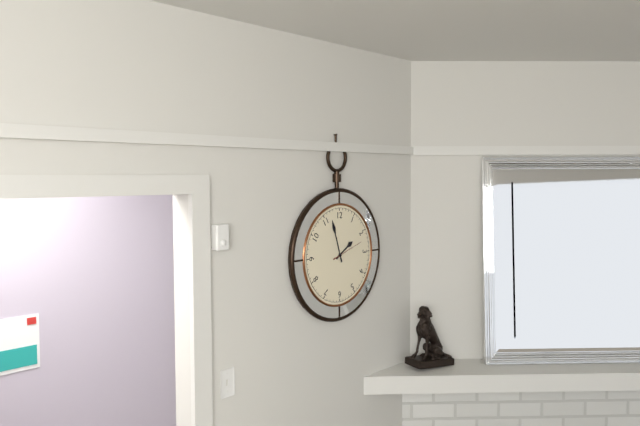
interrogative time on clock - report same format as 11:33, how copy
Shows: 1:57
